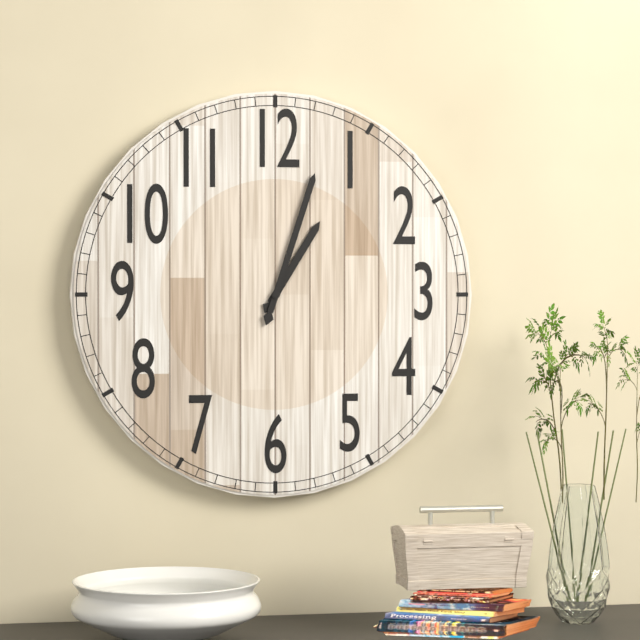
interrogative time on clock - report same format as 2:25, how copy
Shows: 1:03
